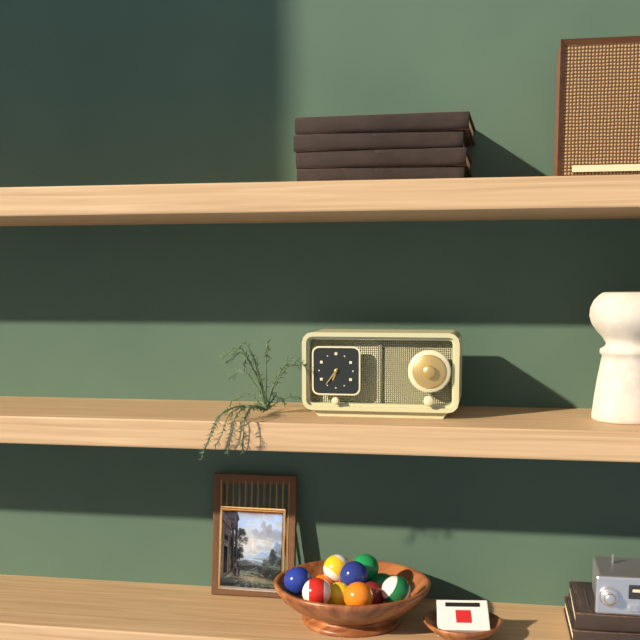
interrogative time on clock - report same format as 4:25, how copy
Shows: 6:36
